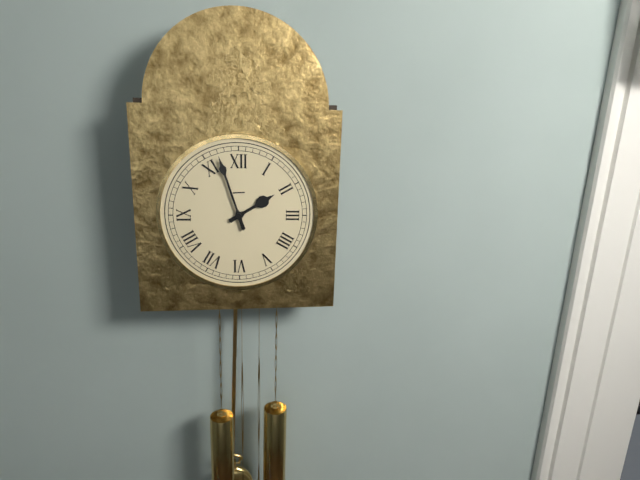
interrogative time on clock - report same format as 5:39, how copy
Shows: 1:57
